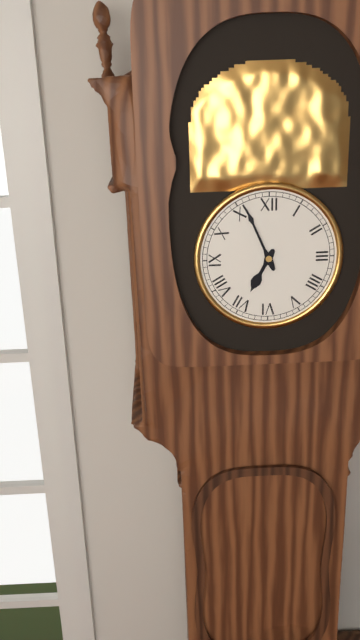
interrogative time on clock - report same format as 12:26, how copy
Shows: 6:56
